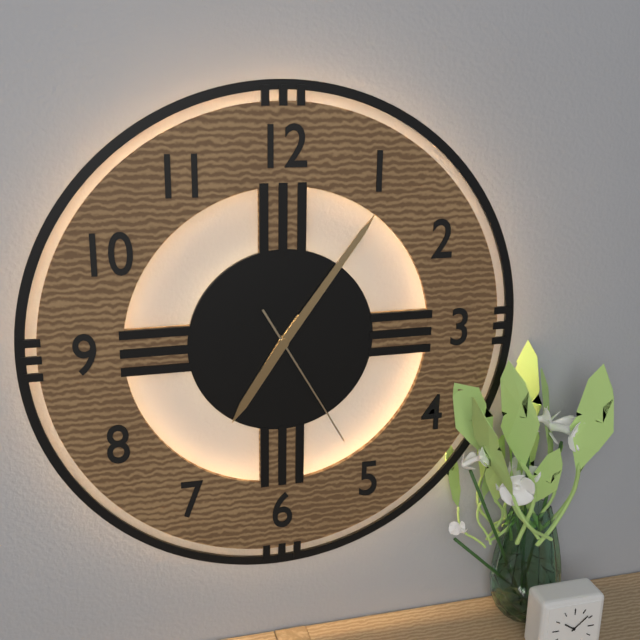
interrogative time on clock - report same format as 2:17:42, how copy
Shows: 7:06:25
